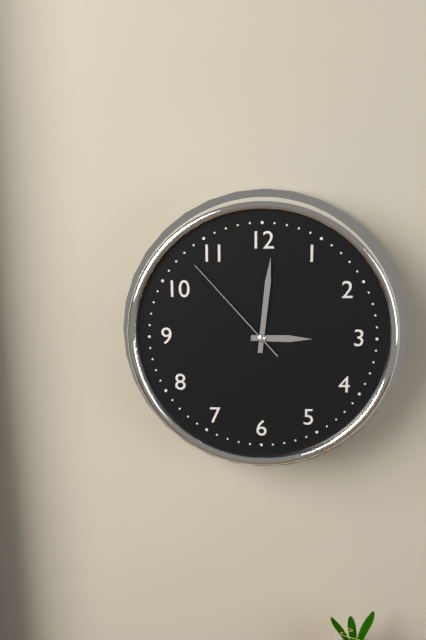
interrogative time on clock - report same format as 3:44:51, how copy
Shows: 3:01:53
